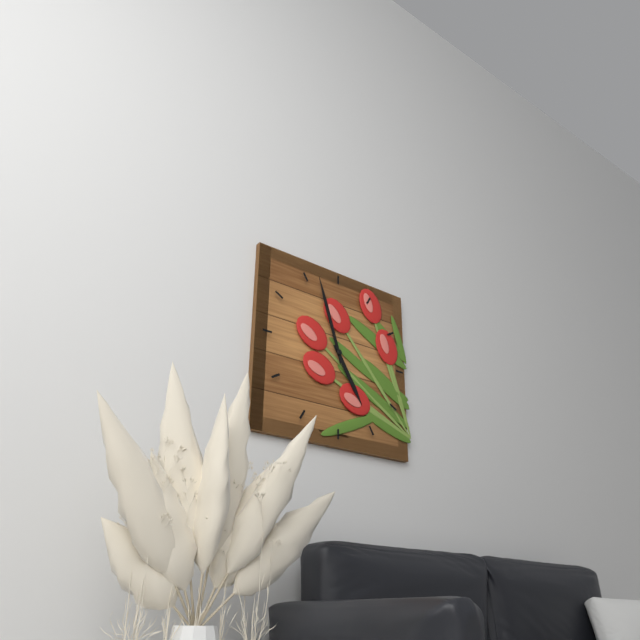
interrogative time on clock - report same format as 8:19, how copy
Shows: 4:57
